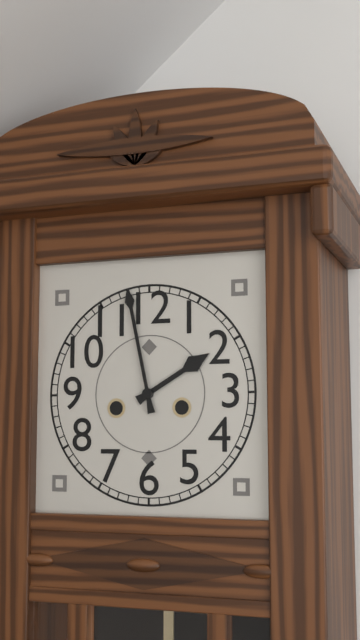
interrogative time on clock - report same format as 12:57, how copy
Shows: 1:58
